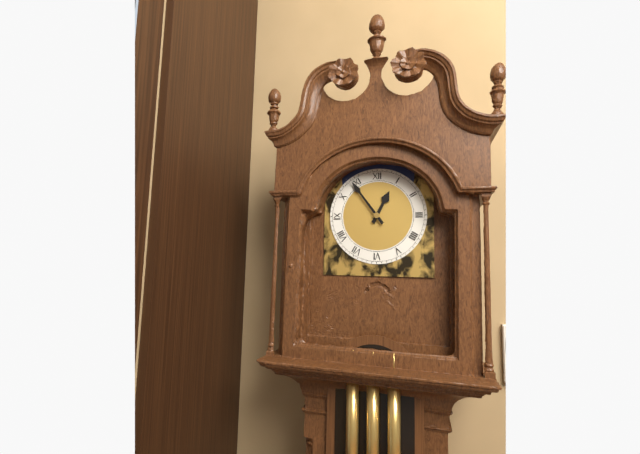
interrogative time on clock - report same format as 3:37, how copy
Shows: 12:54
